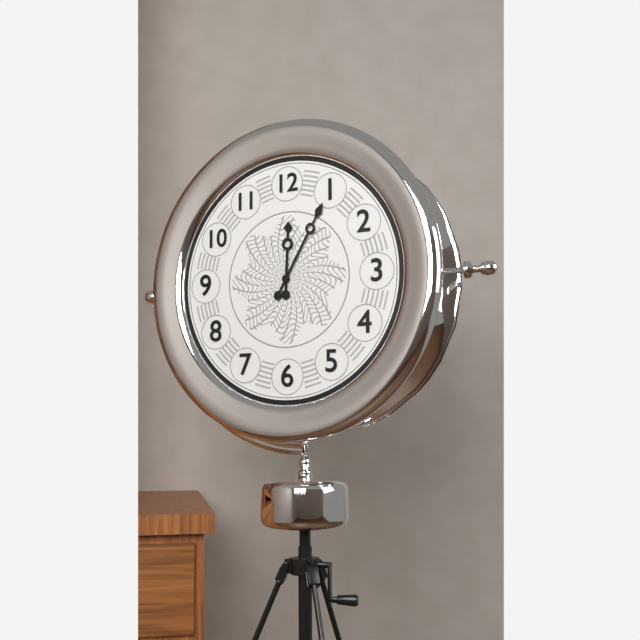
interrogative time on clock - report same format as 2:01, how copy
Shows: 12:05
